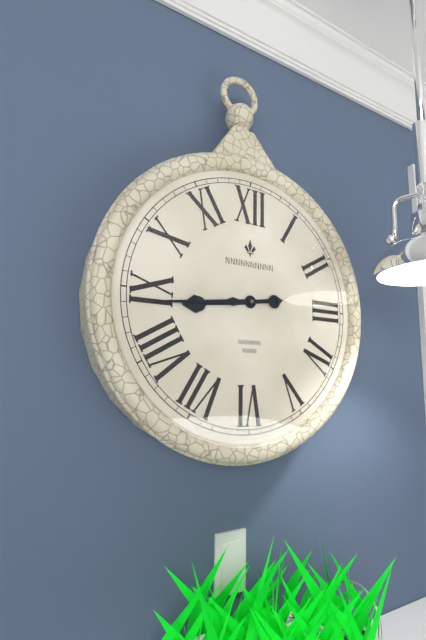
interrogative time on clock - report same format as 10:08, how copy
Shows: 8:44
